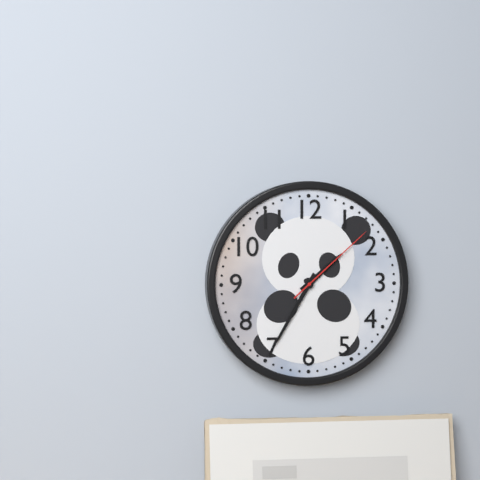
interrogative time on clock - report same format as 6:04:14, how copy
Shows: 1:35:08
